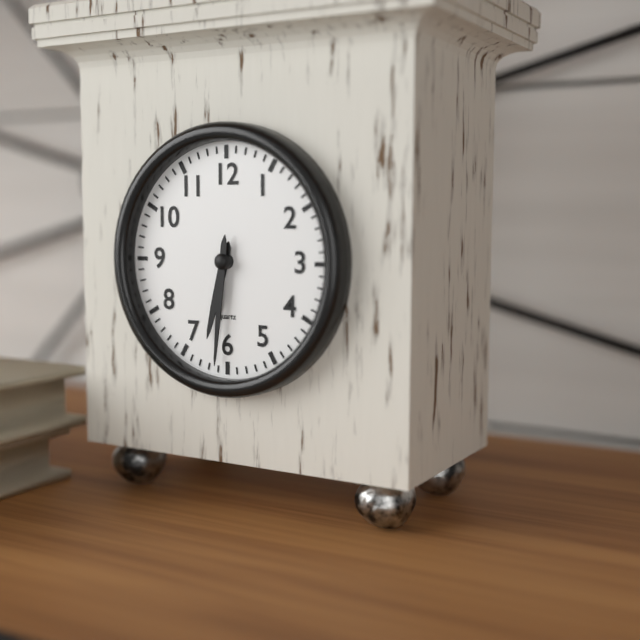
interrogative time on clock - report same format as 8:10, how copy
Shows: 6:31
